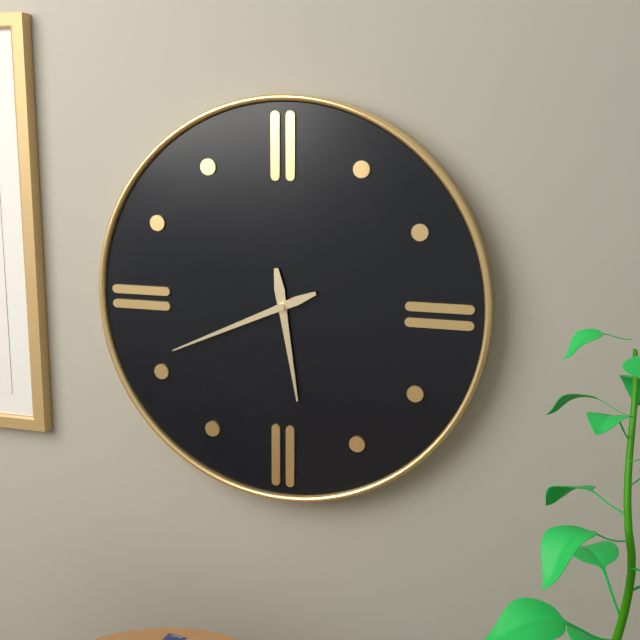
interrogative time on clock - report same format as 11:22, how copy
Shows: 5:41
